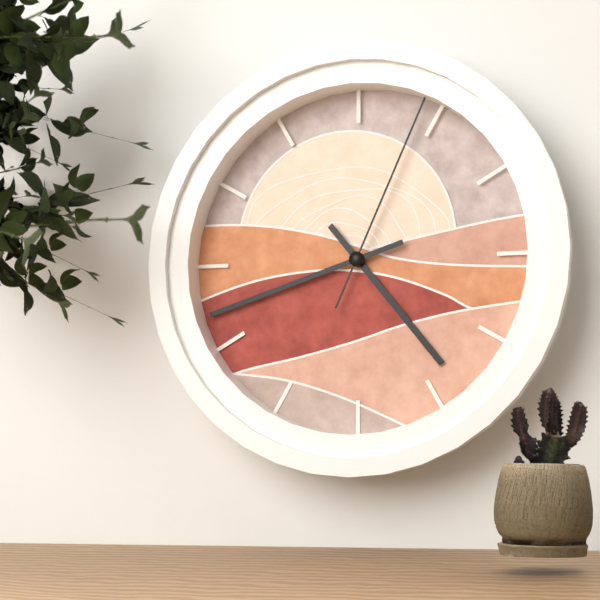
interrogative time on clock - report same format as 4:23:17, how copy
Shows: 4:42:04
